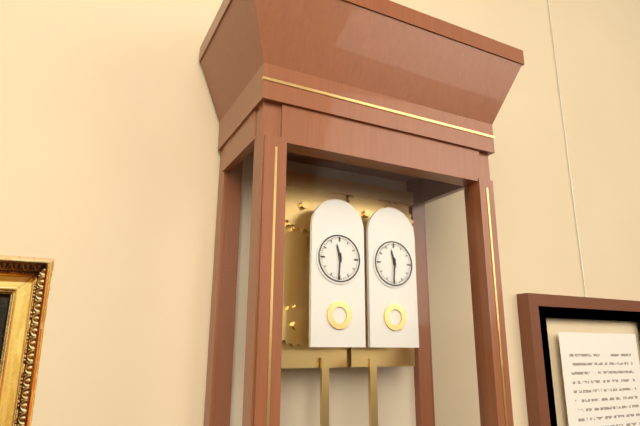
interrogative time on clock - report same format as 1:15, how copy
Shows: 11:31
